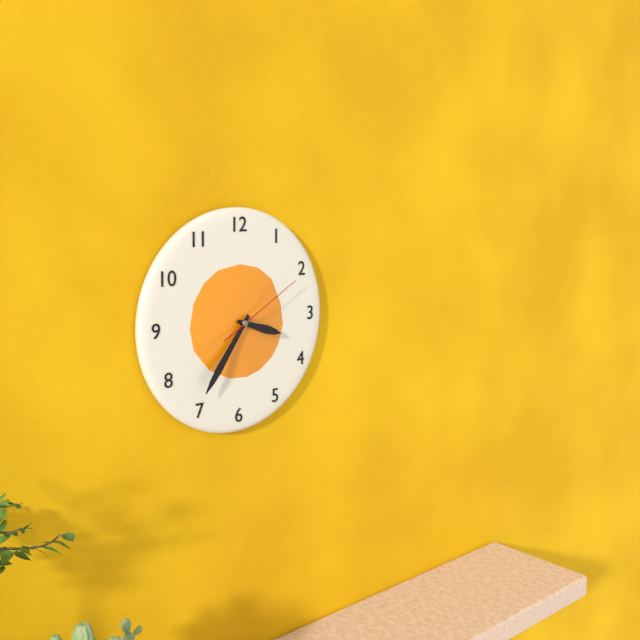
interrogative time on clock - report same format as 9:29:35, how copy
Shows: 3:36:10
